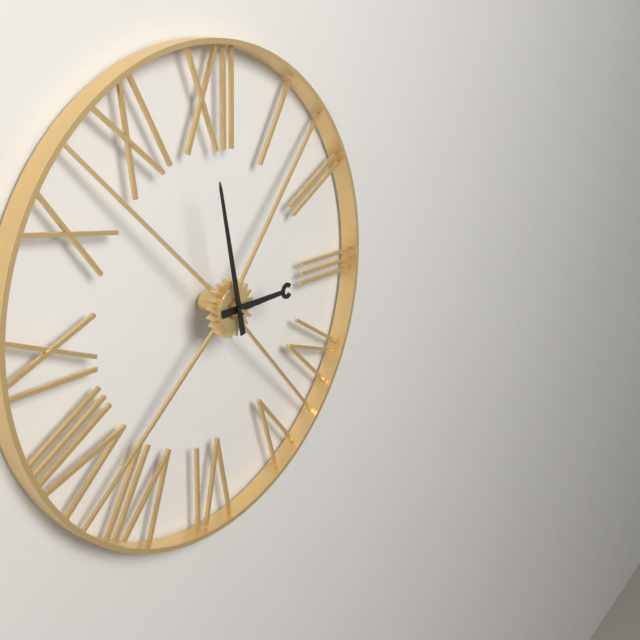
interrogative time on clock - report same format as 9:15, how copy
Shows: 2:58
